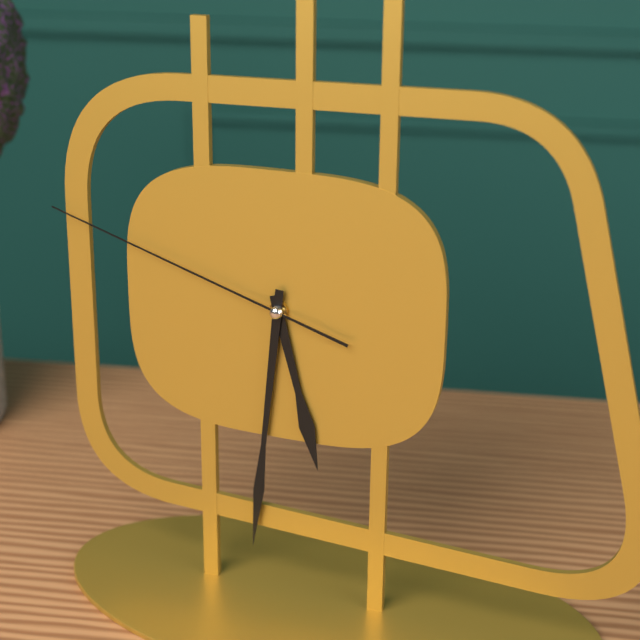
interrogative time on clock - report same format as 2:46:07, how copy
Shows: 5:31:48
